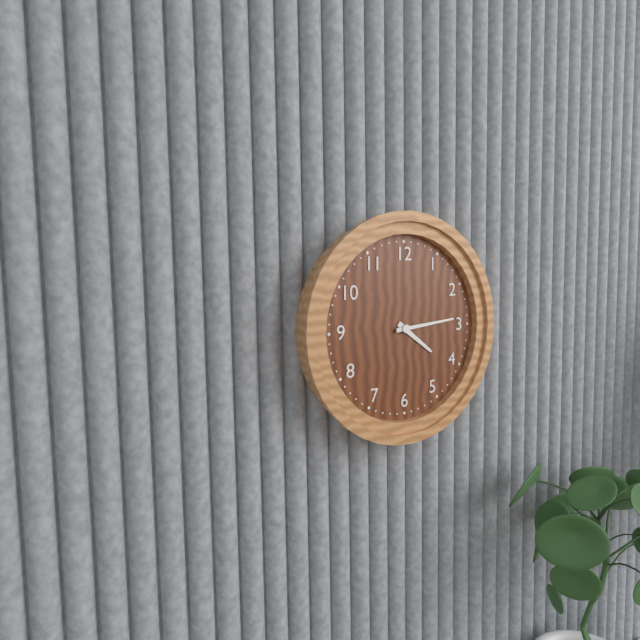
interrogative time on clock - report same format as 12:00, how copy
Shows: 4:14
